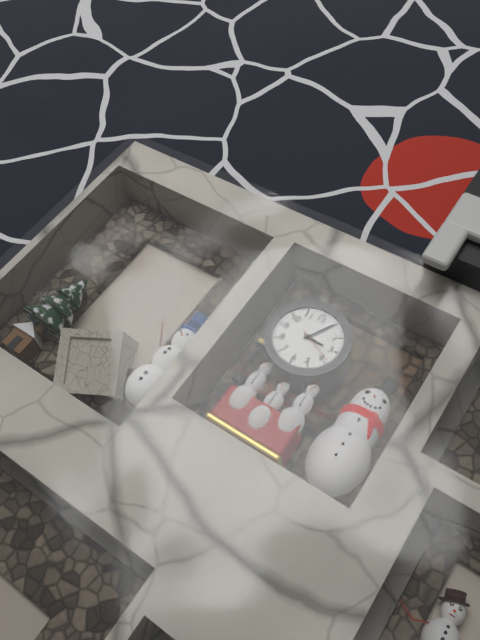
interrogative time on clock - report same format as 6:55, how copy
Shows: 3:05
